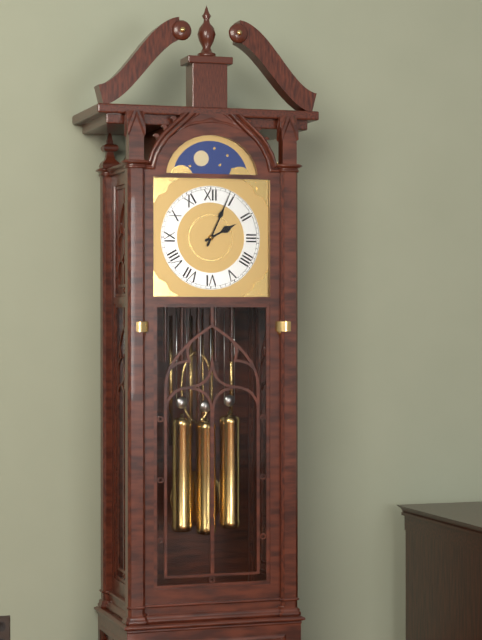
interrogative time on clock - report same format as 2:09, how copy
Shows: 2:04
